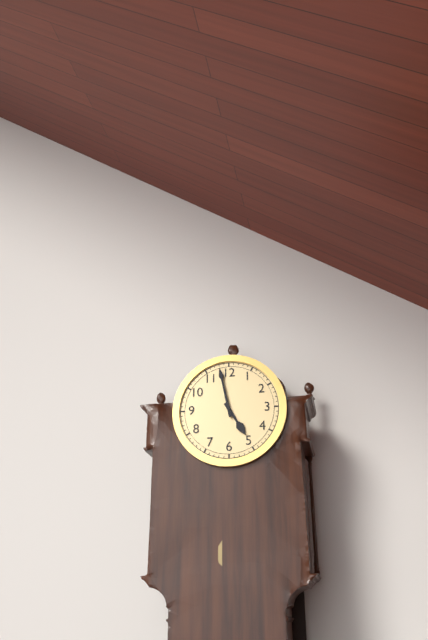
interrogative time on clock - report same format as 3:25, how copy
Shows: 4:58
